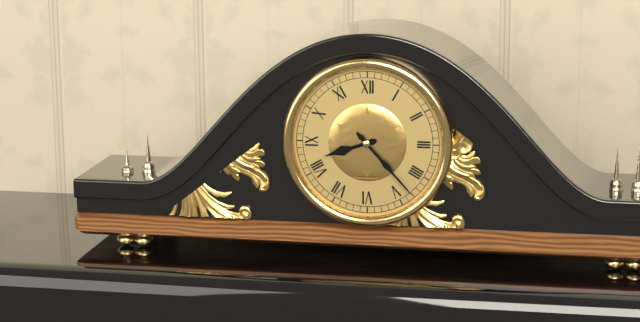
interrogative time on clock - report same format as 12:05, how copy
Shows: 8:23
